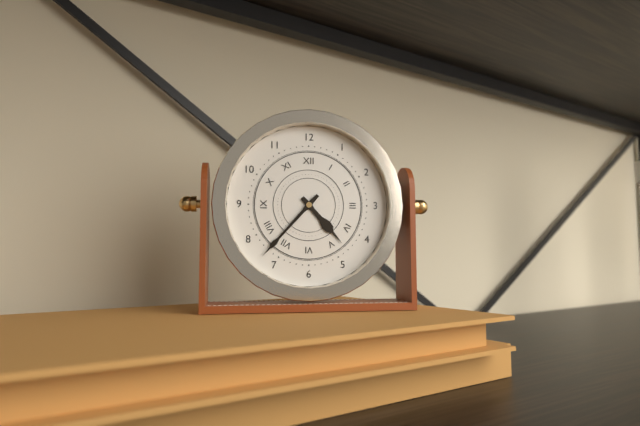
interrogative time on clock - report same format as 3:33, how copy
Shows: 4:37
